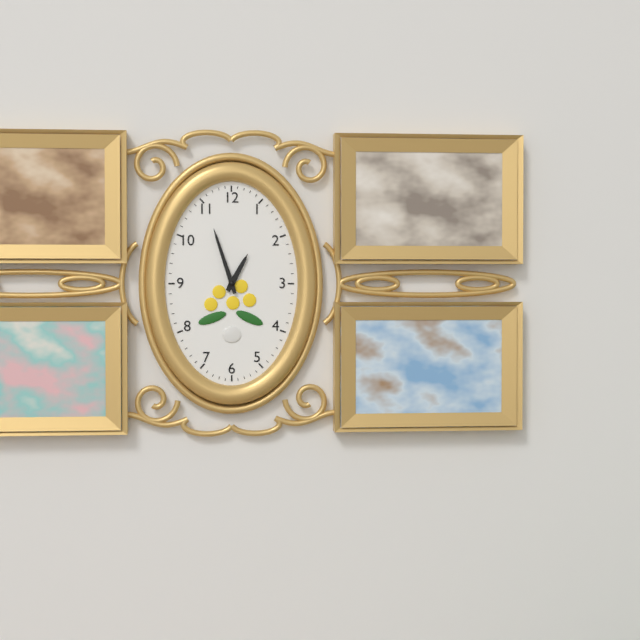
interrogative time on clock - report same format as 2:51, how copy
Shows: 12:57
